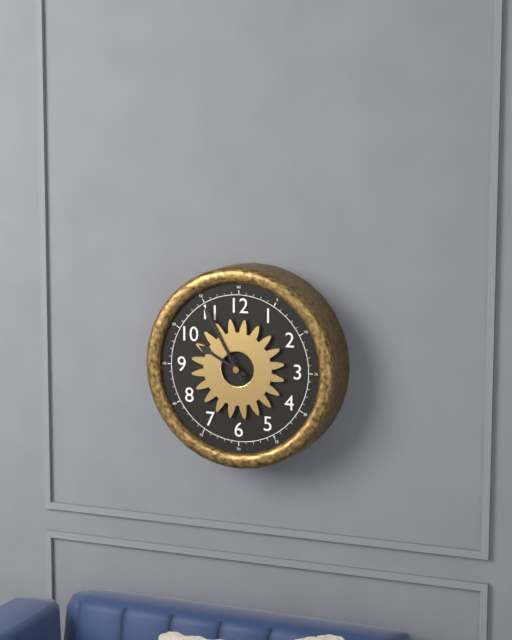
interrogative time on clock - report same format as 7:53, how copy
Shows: 9:55
